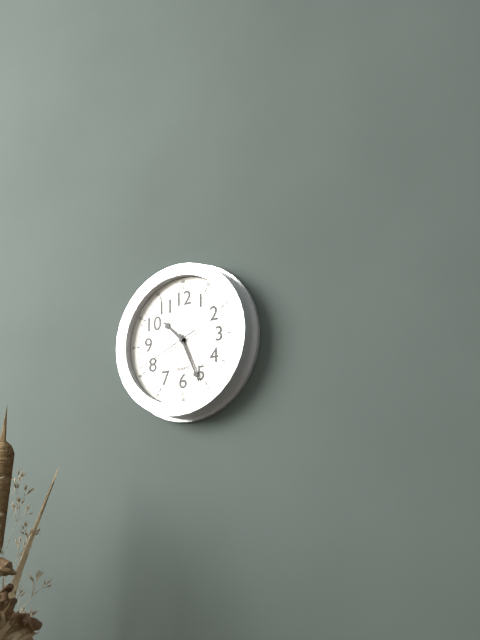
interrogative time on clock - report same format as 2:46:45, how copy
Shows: 10:26:41
